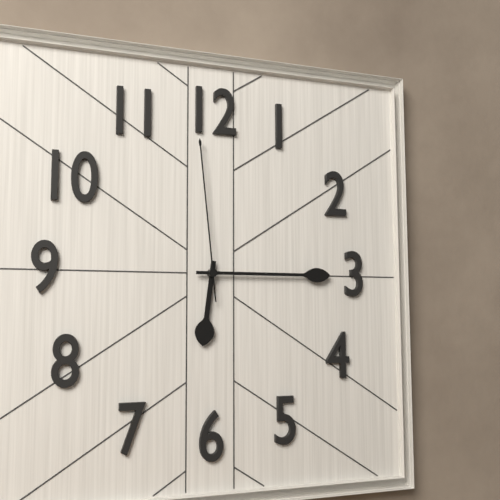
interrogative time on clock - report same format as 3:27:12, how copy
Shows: 6:15:59
